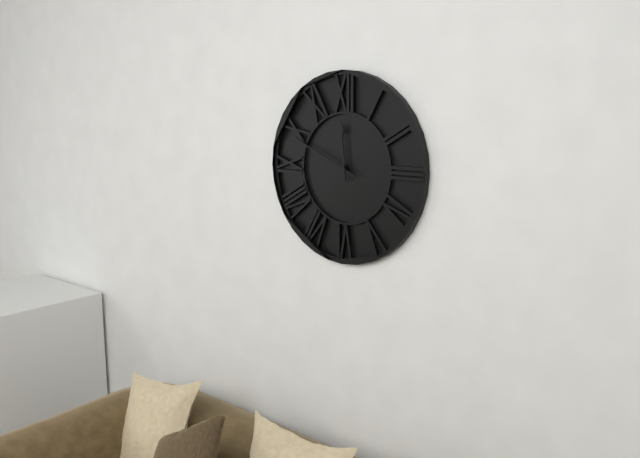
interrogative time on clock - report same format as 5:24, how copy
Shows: 11:49
